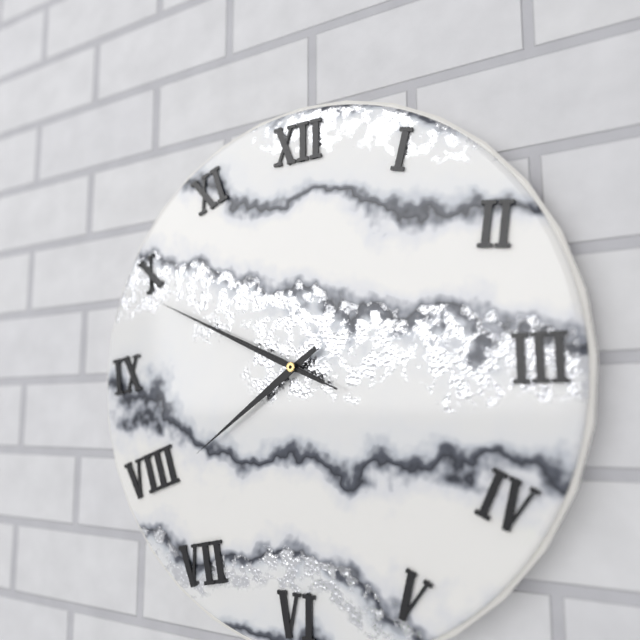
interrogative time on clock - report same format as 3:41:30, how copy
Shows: 7:49:49
